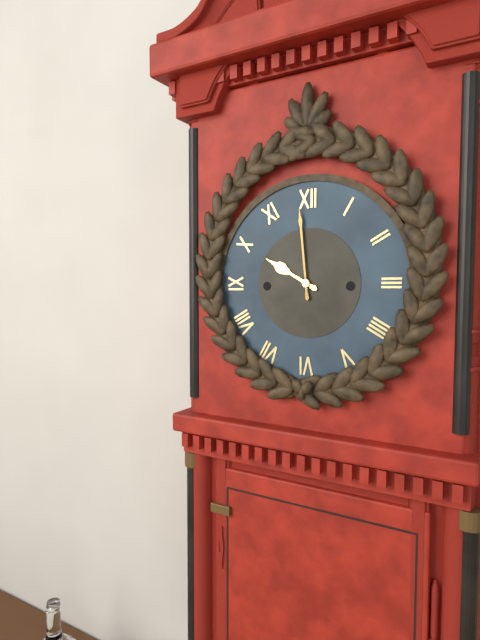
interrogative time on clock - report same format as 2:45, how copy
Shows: 9:59
